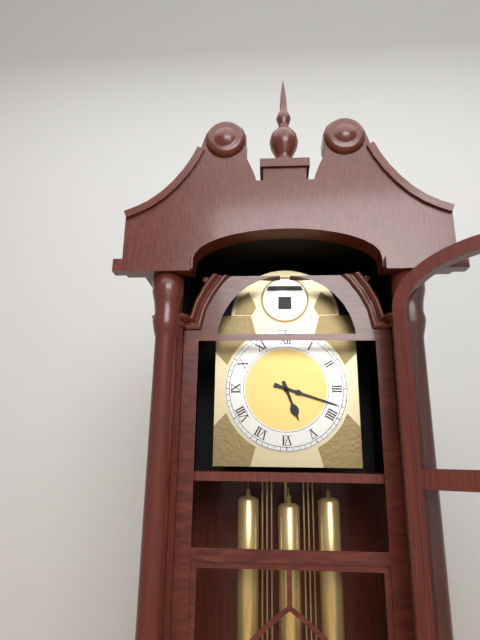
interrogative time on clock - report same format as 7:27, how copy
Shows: 5:18
